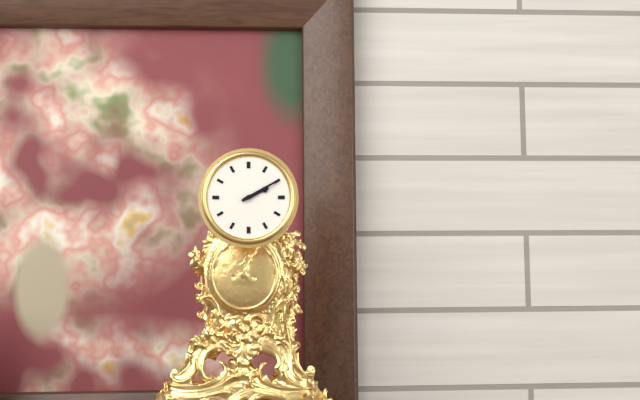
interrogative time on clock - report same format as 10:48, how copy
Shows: 2:10
